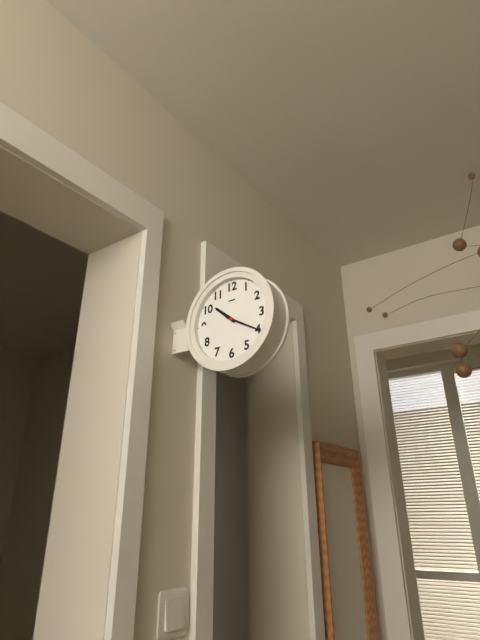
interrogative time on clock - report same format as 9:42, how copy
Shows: 10:20
